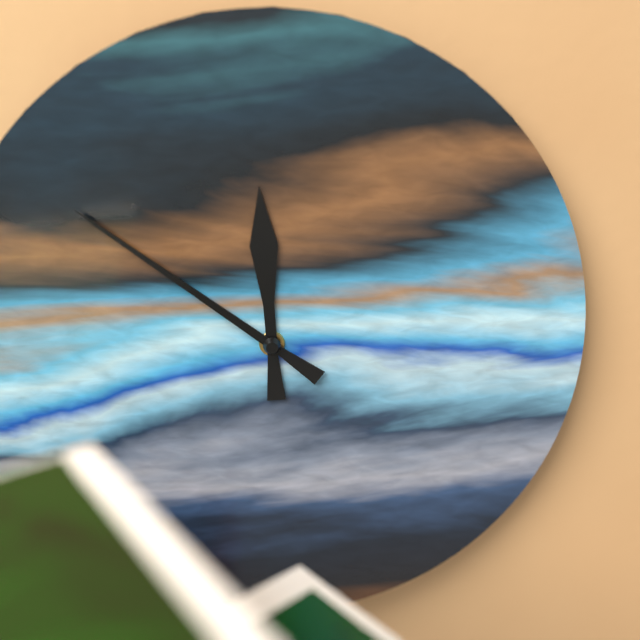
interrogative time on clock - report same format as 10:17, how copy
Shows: 11:51
